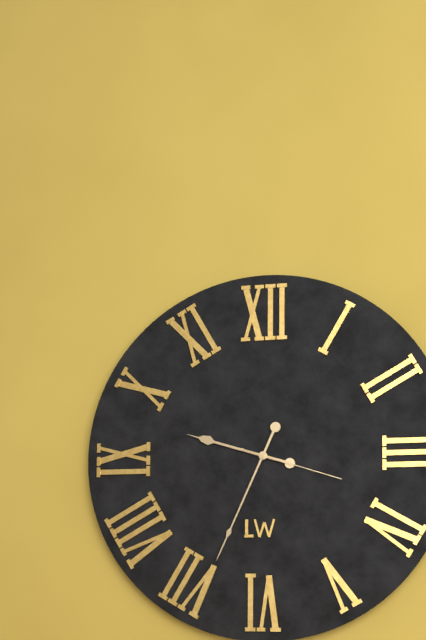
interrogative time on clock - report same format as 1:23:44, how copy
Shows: 9:34:18
